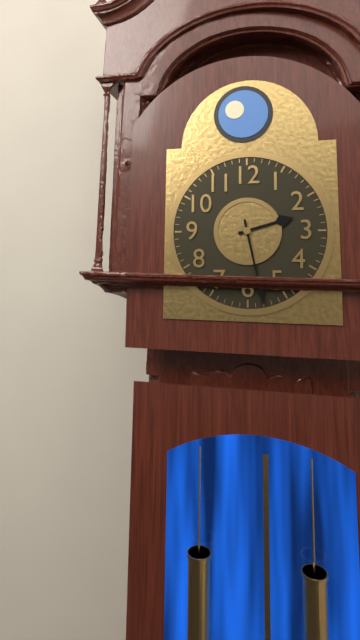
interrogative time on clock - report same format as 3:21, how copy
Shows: 2:28
